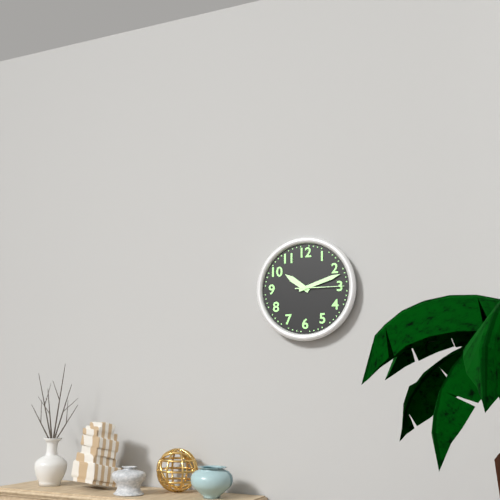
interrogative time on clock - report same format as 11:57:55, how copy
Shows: 10:12:15
